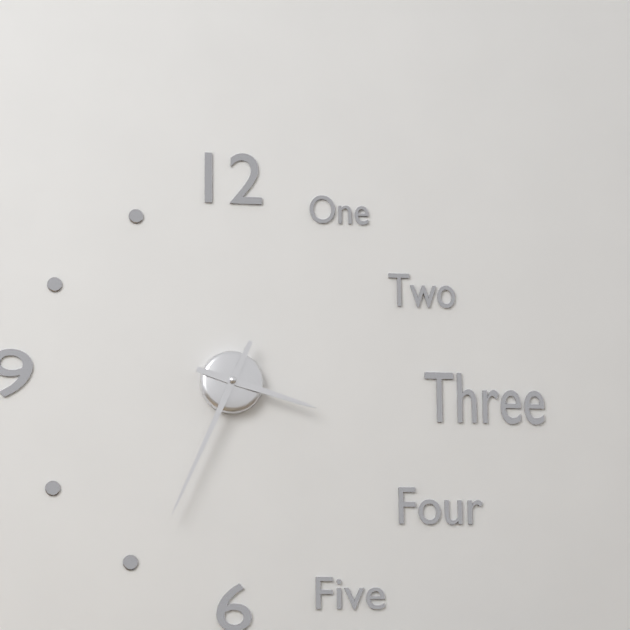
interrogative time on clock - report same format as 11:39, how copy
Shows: 3:34
